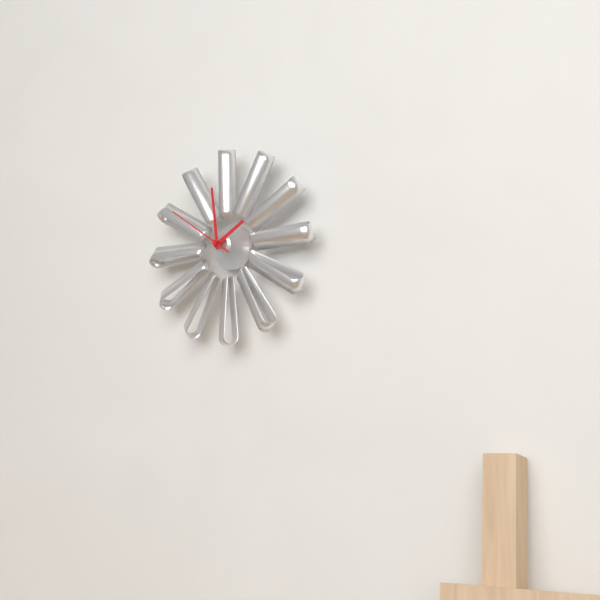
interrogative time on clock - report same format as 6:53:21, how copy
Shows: 1:59:51
